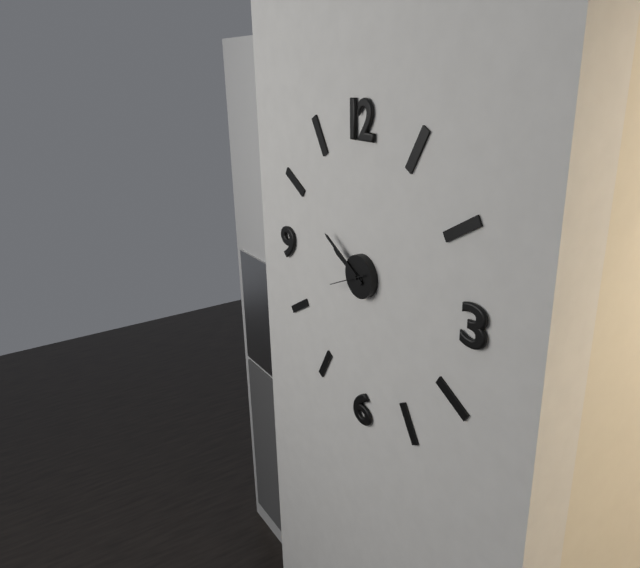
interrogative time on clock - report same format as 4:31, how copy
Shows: 9:50
